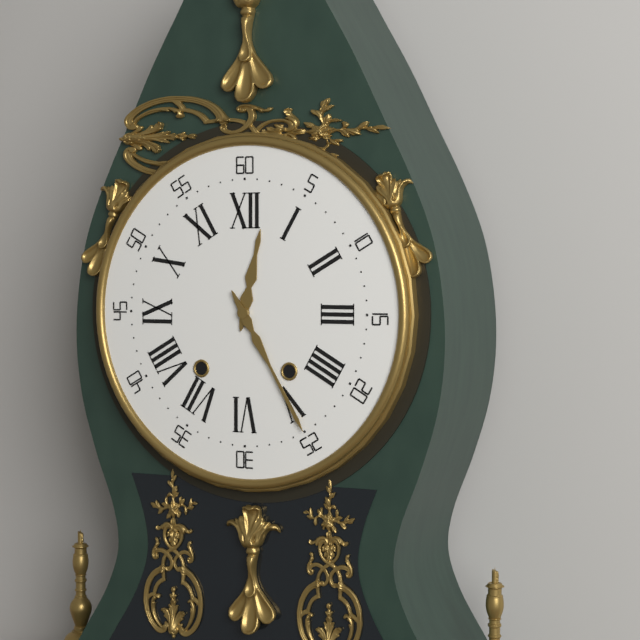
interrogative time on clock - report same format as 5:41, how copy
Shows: 12:25
